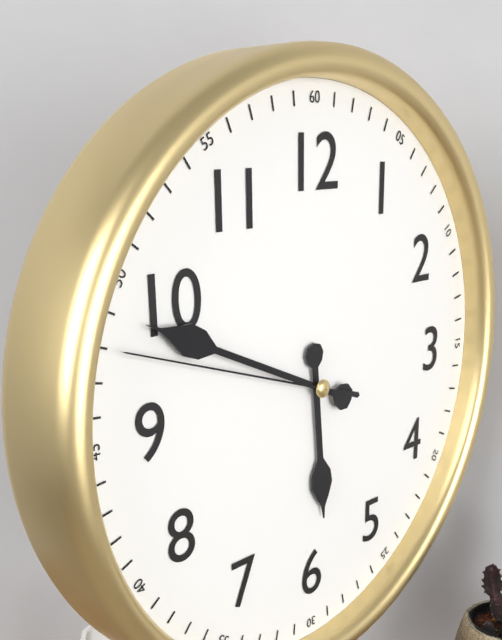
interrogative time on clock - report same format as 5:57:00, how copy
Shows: 5:49:48
